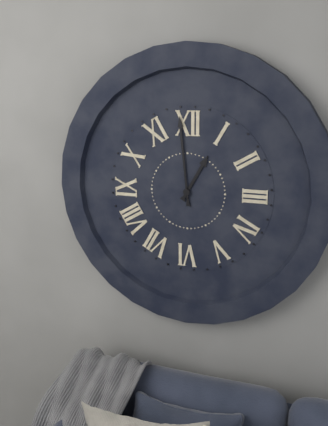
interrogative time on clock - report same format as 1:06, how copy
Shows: 12:59
